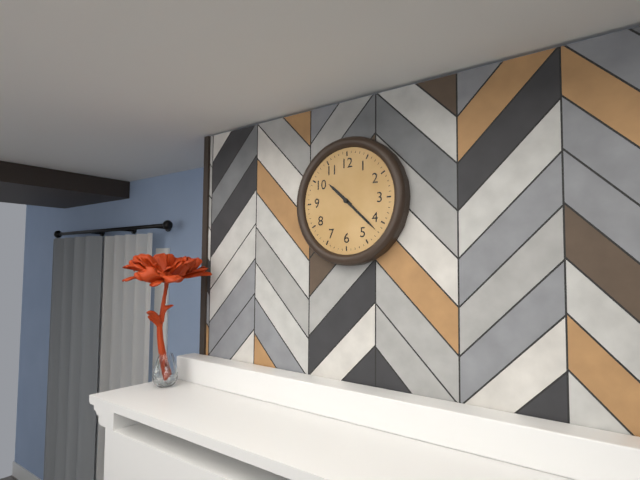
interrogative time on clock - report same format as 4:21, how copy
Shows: 10:22
